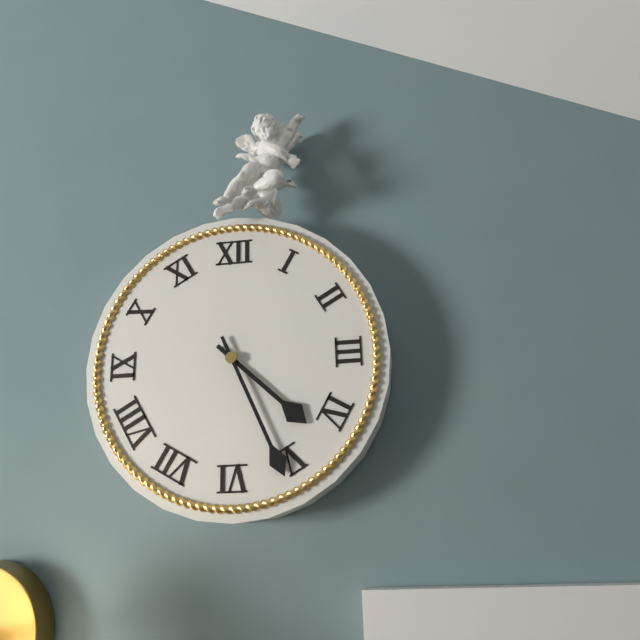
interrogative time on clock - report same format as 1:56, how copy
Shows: 4:26
